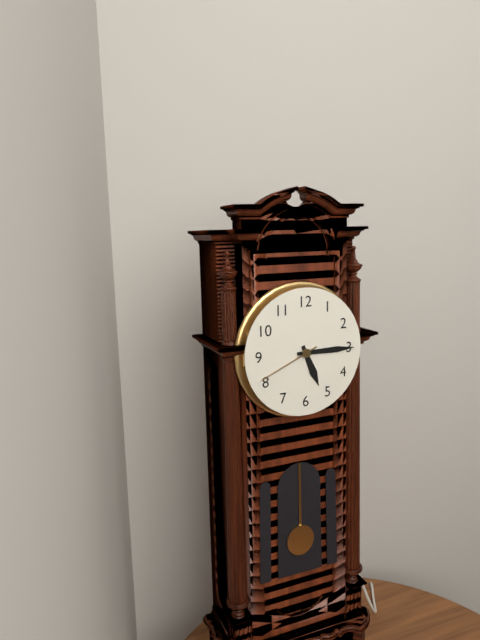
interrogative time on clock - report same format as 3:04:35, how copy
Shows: 5:15:41
